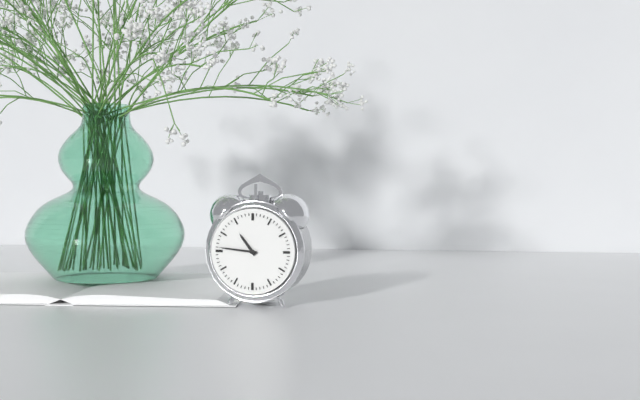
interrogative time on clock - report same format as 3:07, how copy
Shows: 10:46
